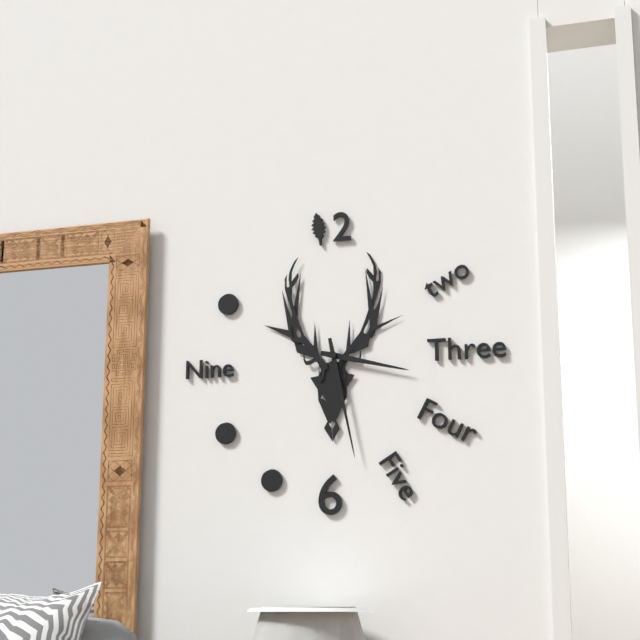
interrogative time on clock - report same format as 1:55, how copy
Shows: 3:28
